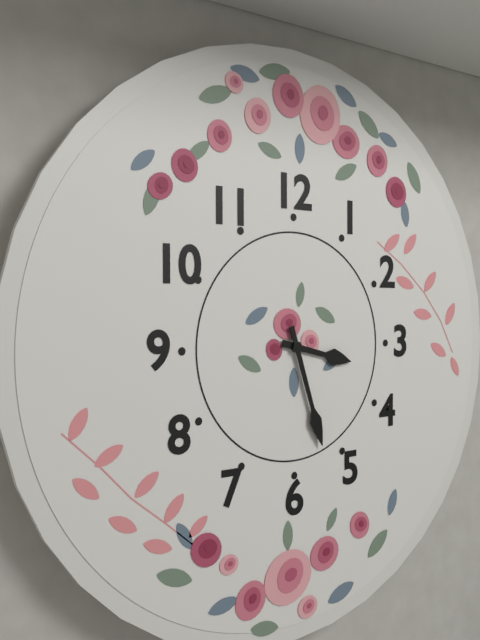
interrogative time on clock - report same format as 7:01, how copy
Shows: 3:27
